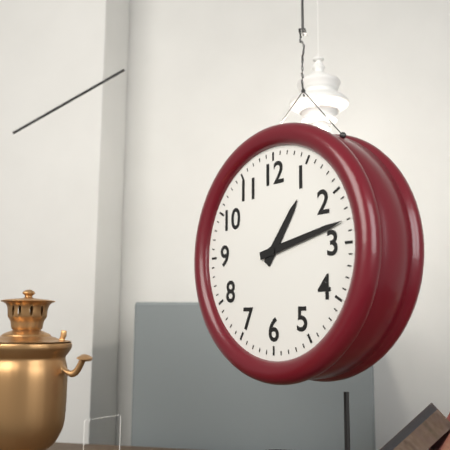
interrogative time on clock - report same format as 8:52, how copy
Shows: 1:13
